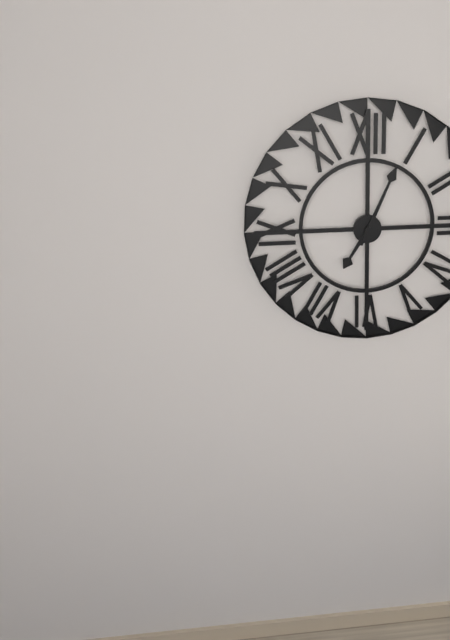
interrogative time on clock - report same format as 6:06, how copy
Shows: 7:04
